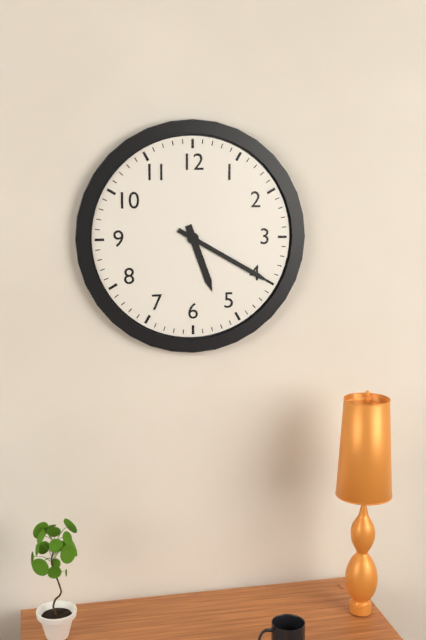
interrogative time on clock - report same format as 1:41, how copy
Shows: 5:20
